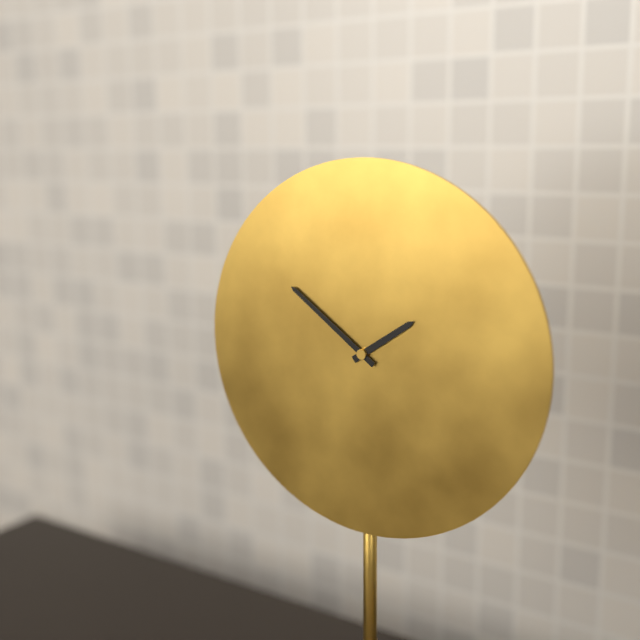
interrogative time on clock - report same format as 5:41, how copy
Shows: 1:51
